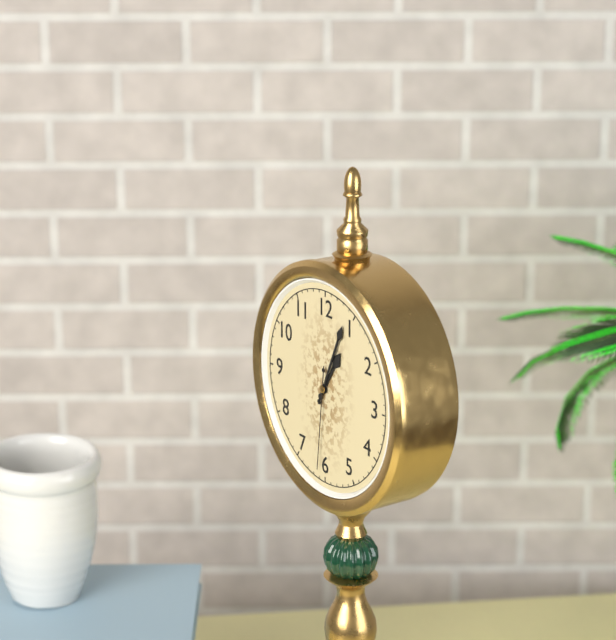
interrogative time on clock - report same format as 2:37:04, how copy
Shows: 1:04:31
